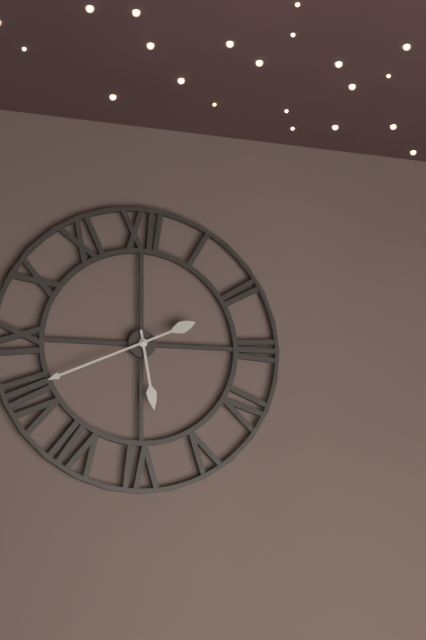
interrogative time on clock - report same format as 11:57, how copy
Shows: 5:41
